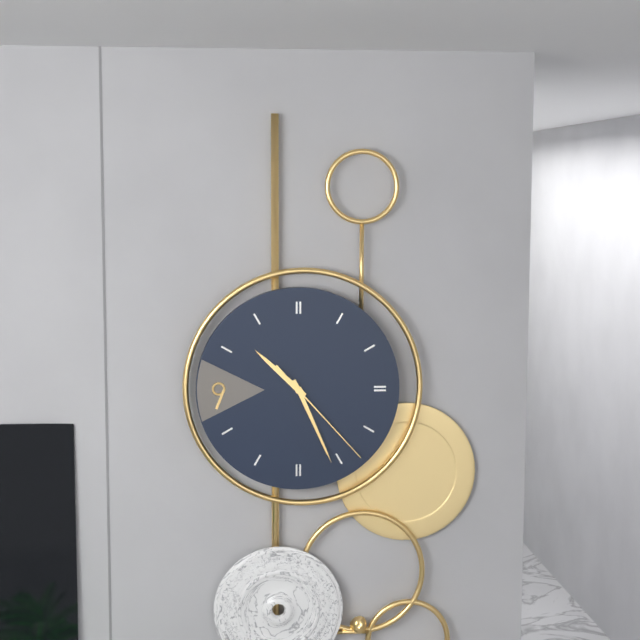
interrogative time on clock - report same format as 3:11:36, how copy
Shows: 10:26:23
